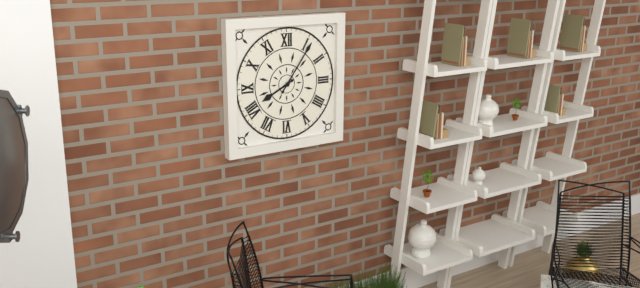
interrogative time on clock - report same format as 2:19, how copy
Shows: 8:06
